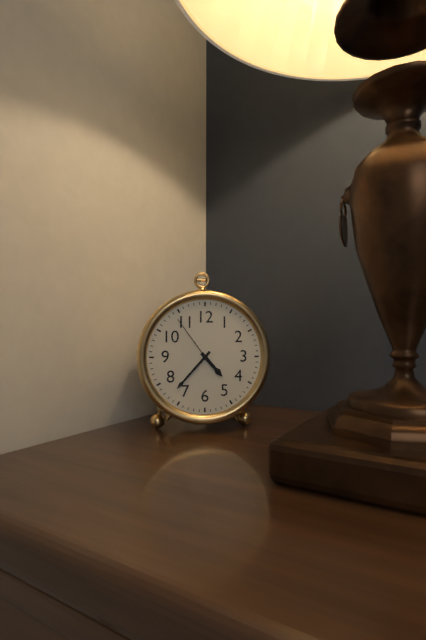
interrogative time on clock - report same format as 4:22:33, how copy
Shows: 4:37:54
